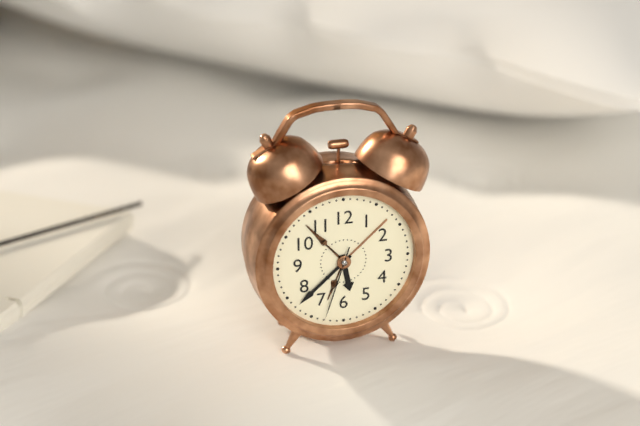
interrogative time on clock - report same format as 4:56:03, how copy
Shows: 5:38:33
